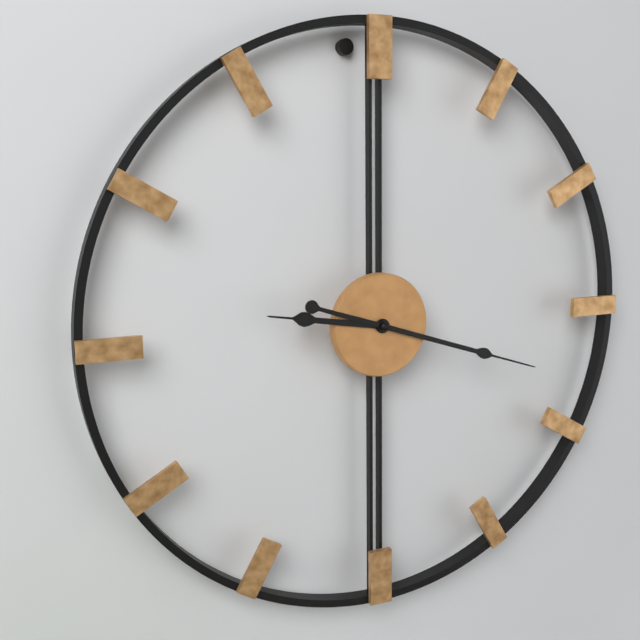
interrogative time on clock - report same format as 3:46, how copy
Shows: 9:18
